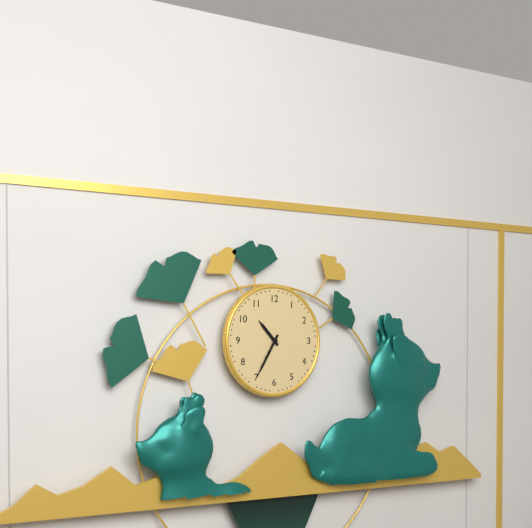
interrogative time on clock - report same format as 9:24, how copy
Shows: 10:35
